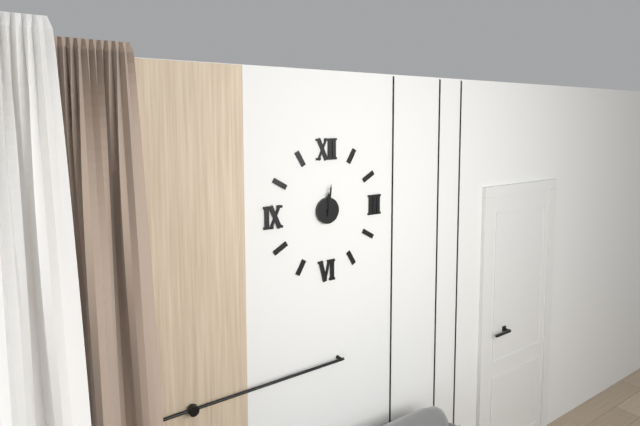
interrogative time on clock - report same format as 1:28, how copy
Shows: 12:01
